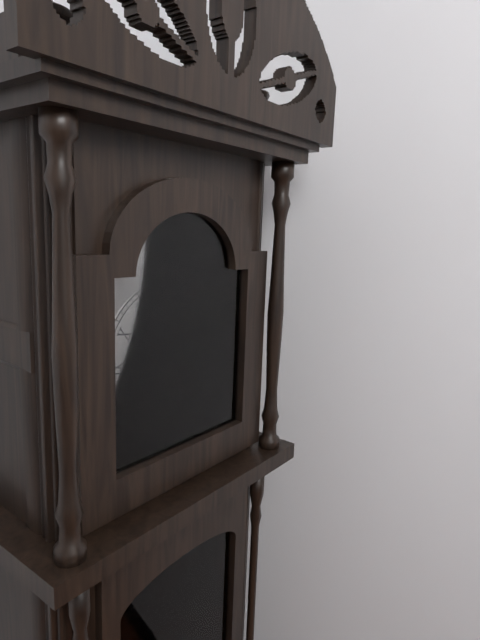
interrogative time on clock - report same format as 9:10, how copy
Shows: 3:14
